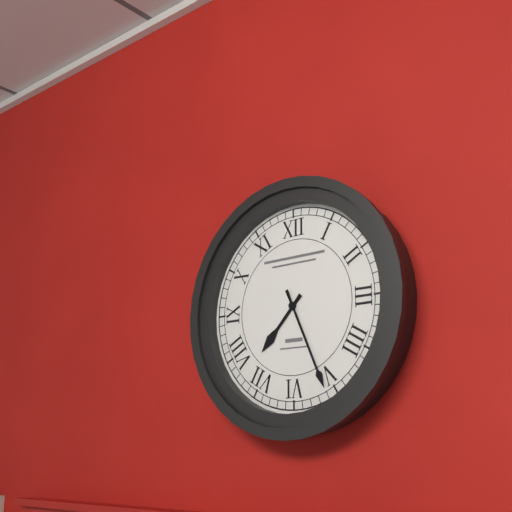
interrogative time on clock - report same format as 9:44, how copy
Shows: 7:26
